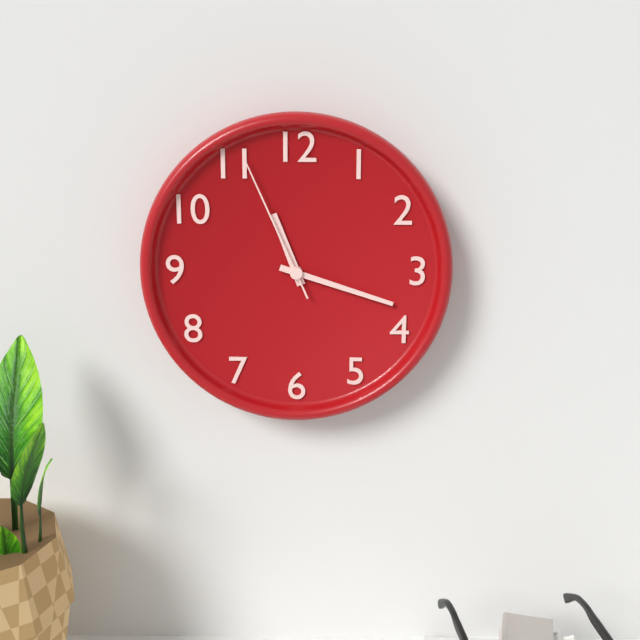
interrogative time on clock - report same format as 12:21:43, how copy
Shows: 11:18:56
